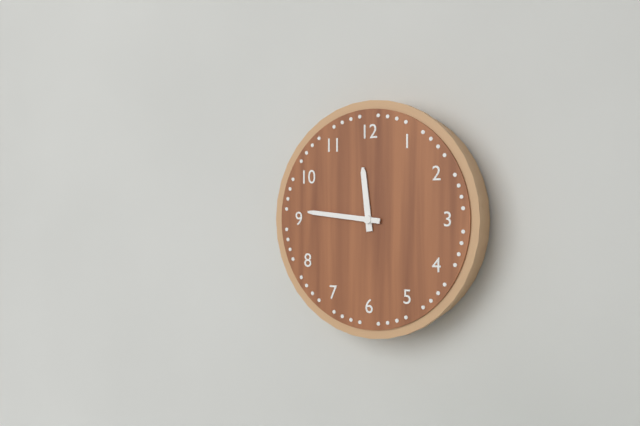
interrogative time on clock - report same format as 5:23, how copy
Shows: 11:46
